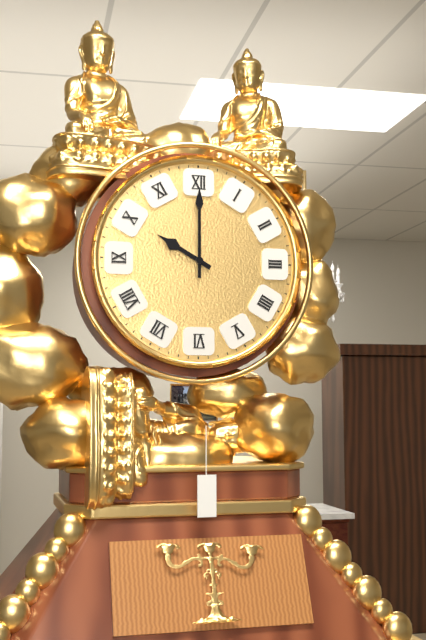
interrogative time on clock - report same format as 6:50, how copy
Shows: 10:00
